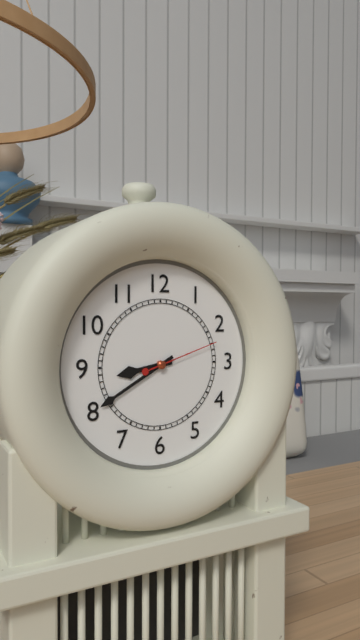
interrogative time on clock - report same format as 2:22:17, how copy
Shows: 8:40:12
